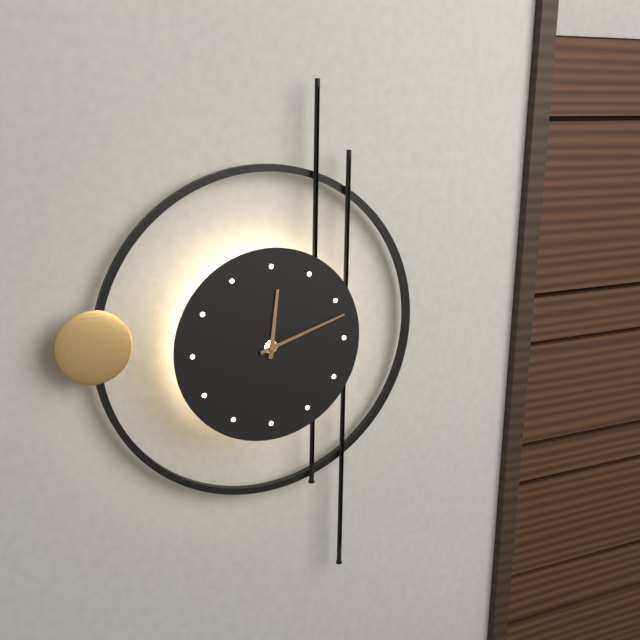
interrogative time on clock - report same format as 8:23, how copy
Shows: 12:12
